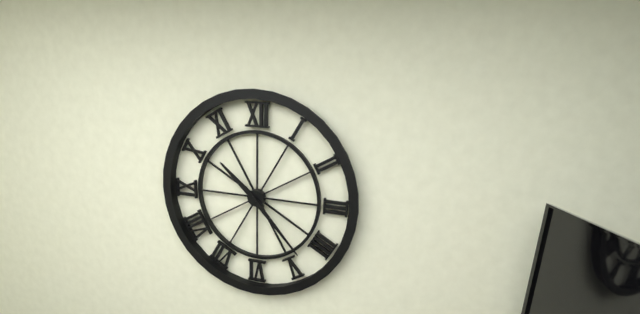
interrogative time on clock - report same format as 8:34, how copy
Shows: 10:23
